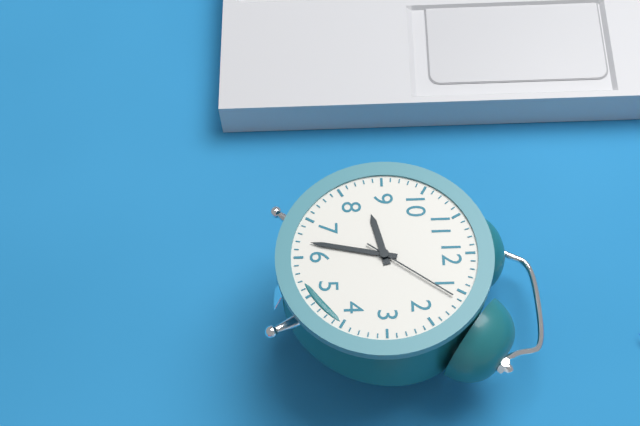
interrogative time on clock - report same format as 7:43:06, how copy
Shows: 8:32:06
